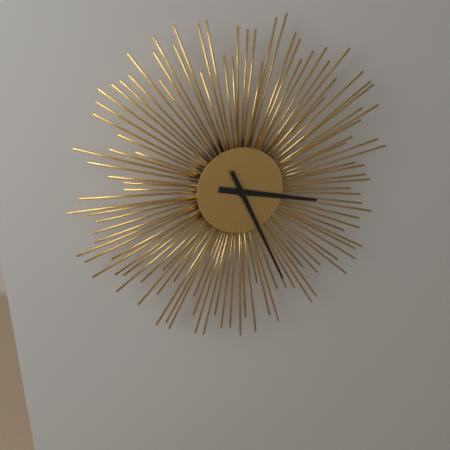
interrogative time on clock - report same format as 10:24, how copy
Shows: 3:26
